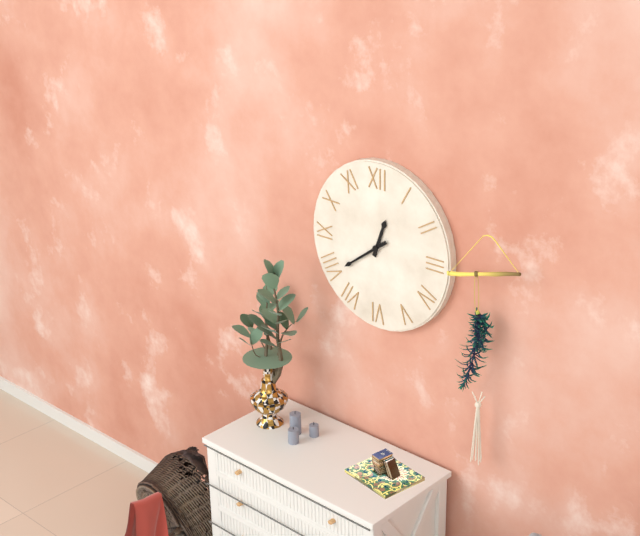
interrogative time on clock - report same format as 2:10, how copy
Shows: 12:39
